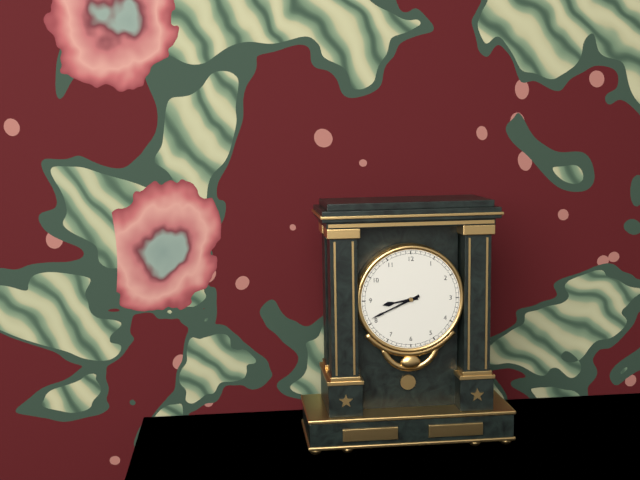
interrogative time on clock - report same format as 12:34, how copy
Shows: 8:41
